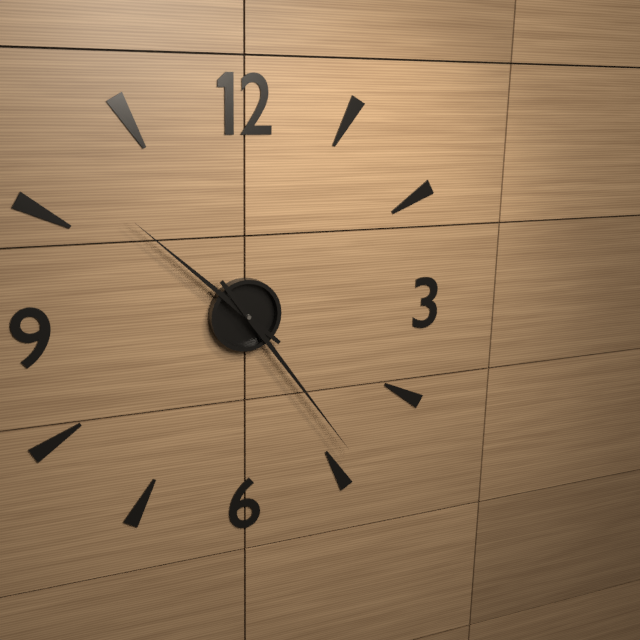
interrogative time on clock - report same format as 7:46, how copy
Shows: 10:24
